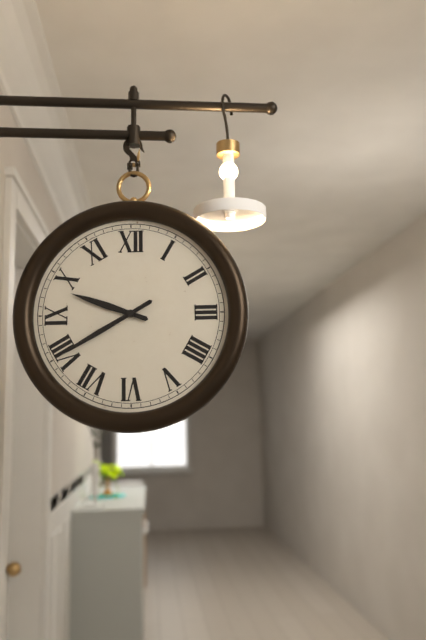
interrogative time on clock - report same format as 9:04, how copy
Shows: 9:40
